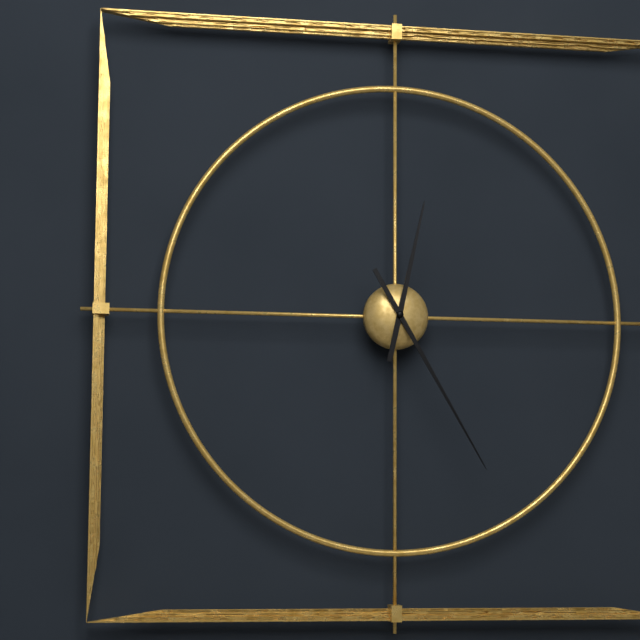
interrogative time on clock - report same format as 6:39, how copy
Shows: 12:25
